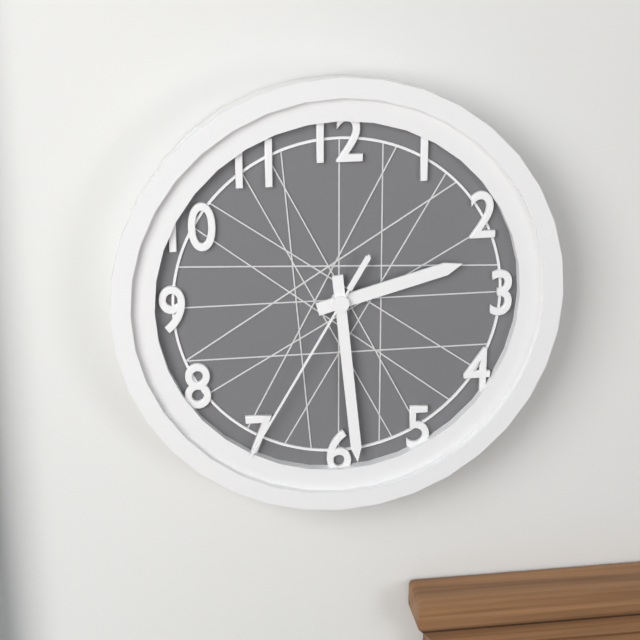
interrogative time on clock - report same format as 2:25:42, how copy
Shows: 2:29:35
